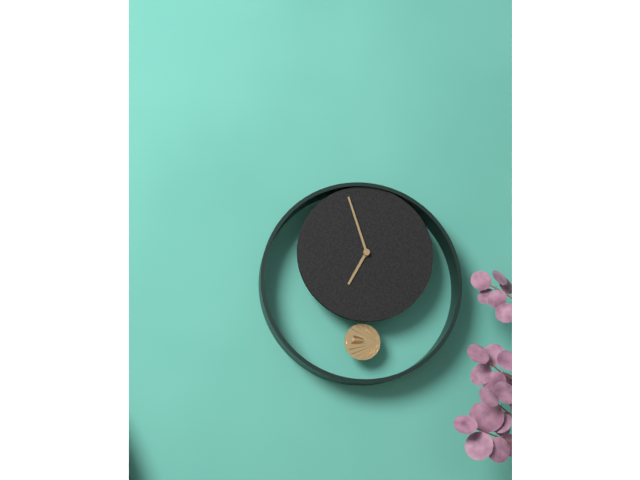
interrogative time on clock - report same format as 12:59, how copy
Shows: 6:57
